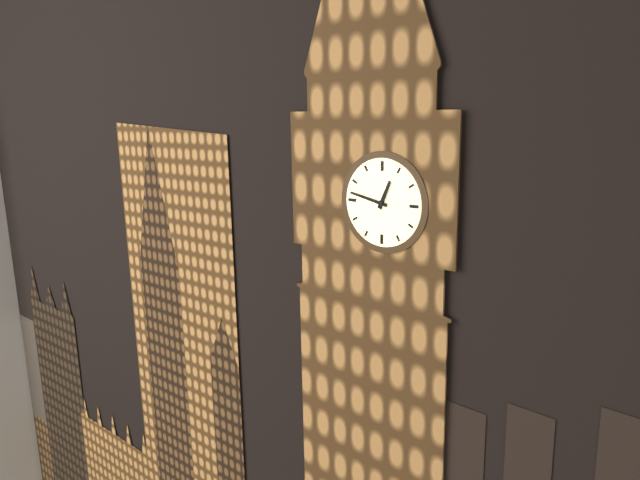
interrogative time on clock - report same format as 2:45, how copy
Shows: 12:47
